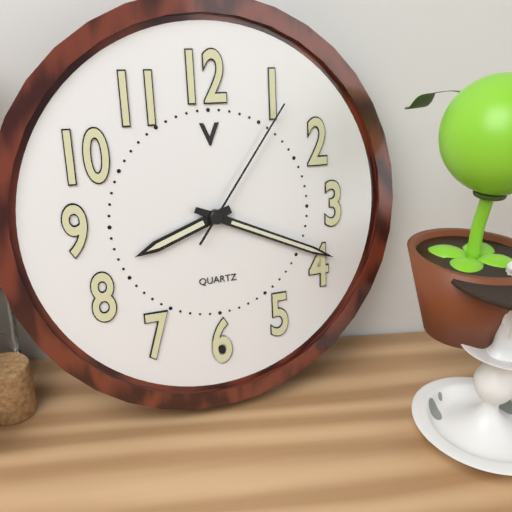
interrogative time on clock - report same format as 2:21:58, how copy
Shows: 8:19:06
